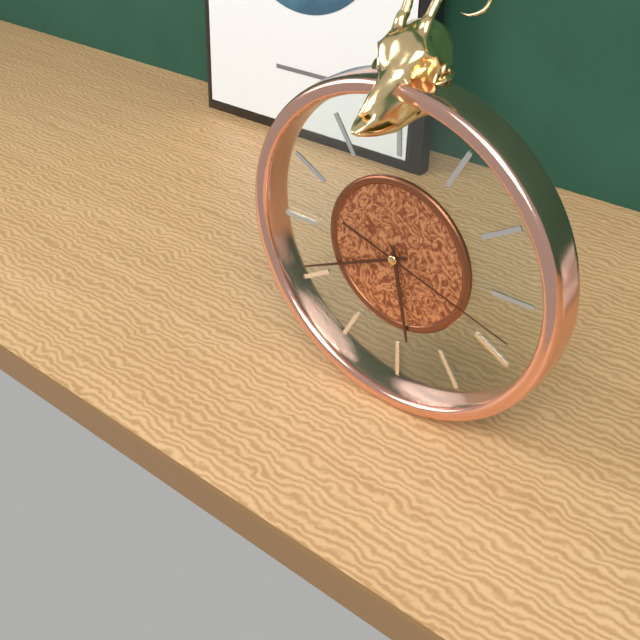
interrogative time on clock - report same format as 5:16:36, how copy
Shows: 5:41:18
